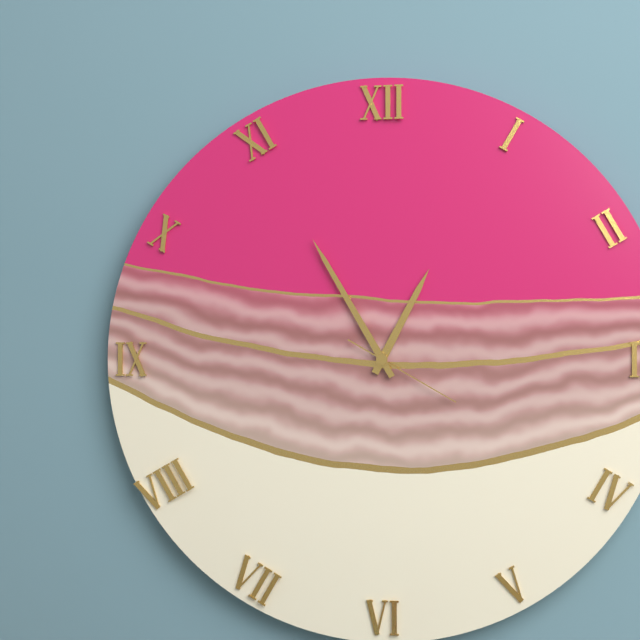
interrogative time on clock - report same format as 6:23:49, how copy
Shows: 12:55:20
